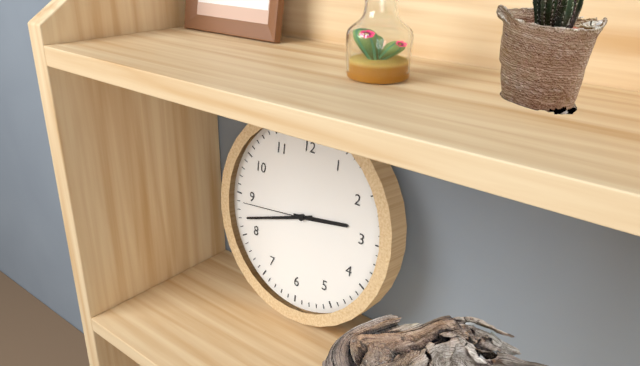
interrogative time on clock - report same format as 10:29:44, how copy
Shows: 2:42:44
